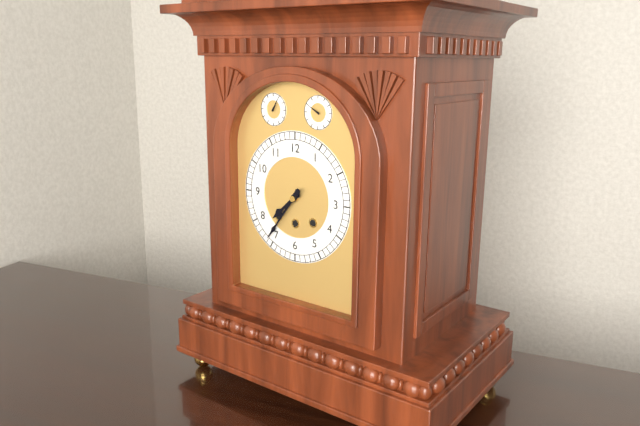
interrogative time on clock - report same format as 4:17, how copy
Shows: 7:36
